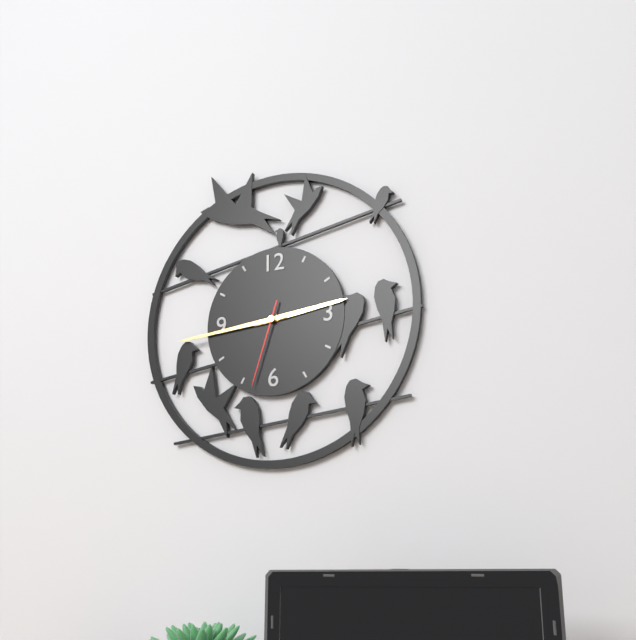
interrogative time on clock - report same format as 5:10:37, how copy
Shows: 2:44:33
